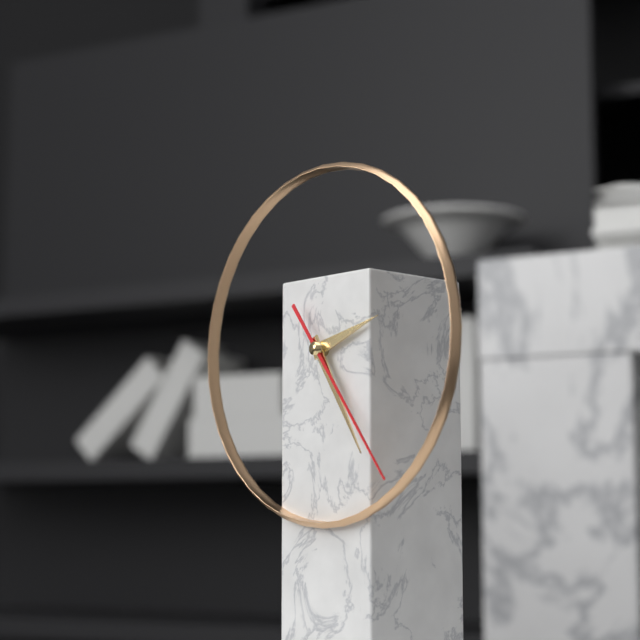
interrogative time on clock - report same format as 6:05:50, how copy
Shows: 2:25:24
